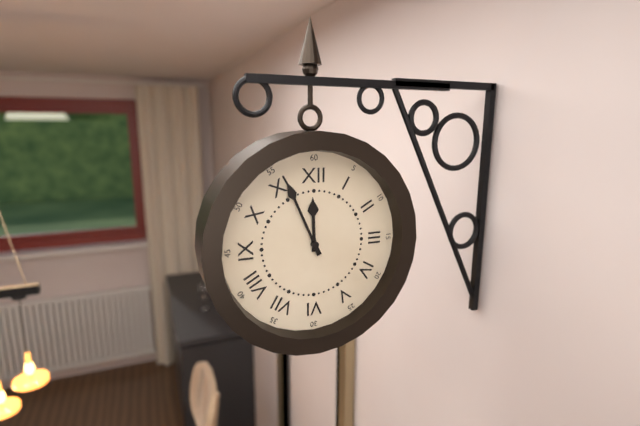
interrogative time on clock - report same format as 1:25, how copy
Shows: 11:56
